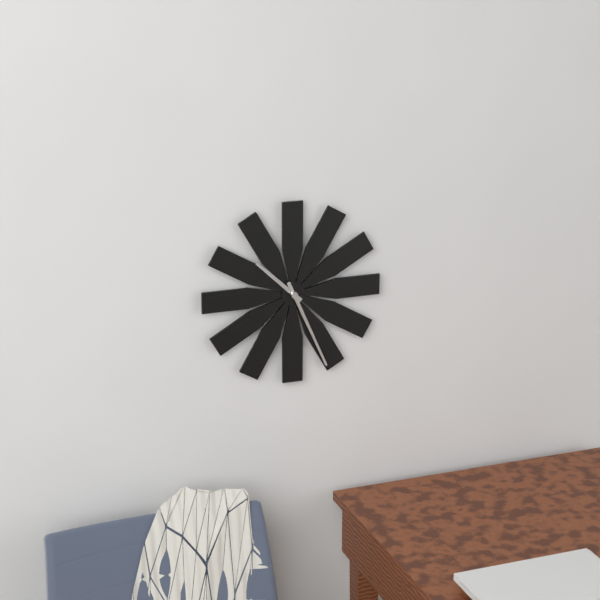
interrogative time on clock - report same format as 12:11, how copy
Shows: 10:26
